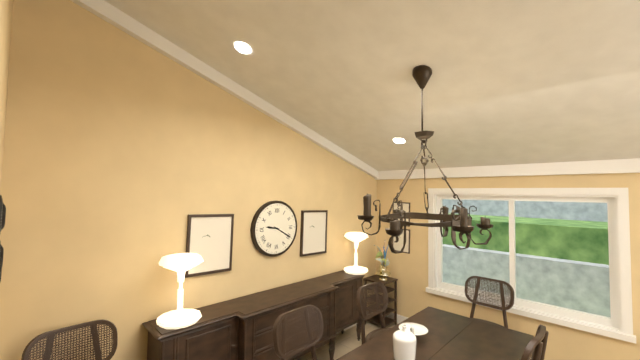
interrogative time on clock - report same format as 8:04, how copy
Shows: 9:20
